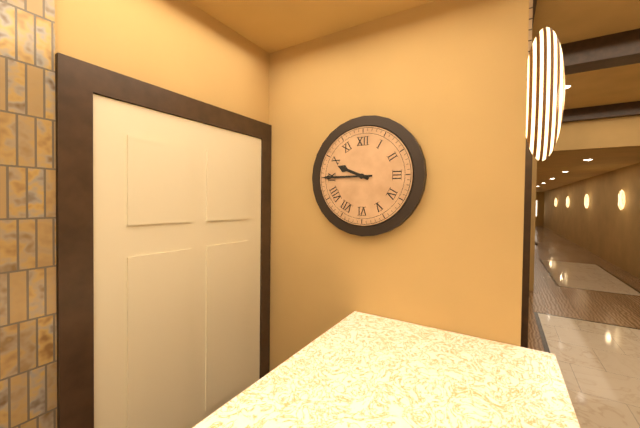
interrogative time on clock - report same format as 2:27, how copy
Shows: 9:45
